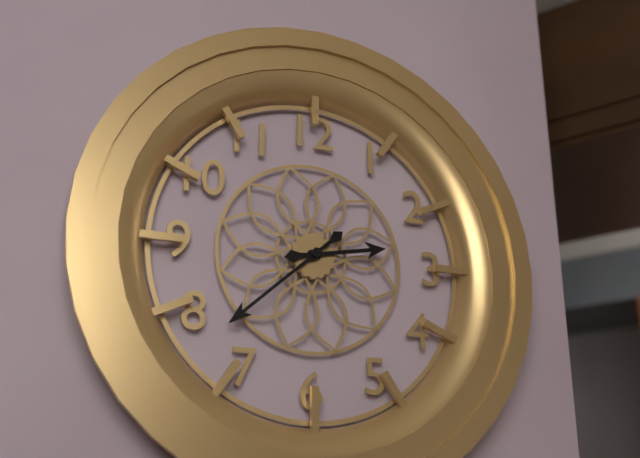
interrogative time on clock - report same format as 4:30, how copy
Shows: 2:38
